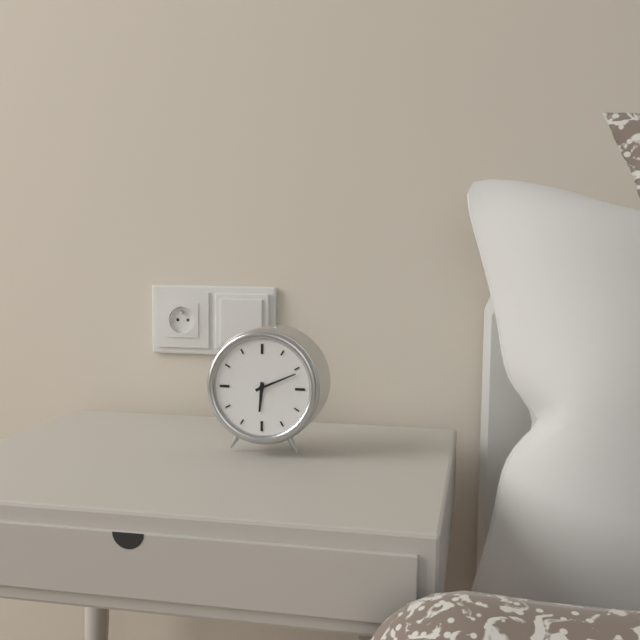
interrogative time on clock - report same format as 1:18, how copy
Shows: 6:11
